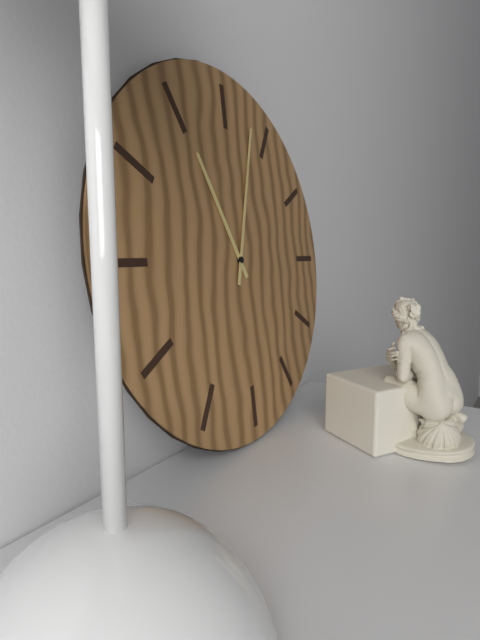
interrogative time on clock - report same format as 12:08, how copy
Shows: 11:03
